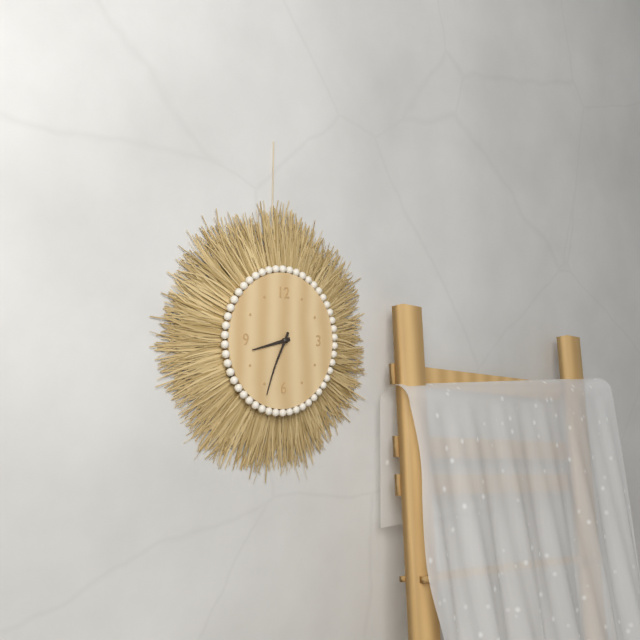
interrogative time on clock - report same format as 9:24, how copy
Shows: 8:34
